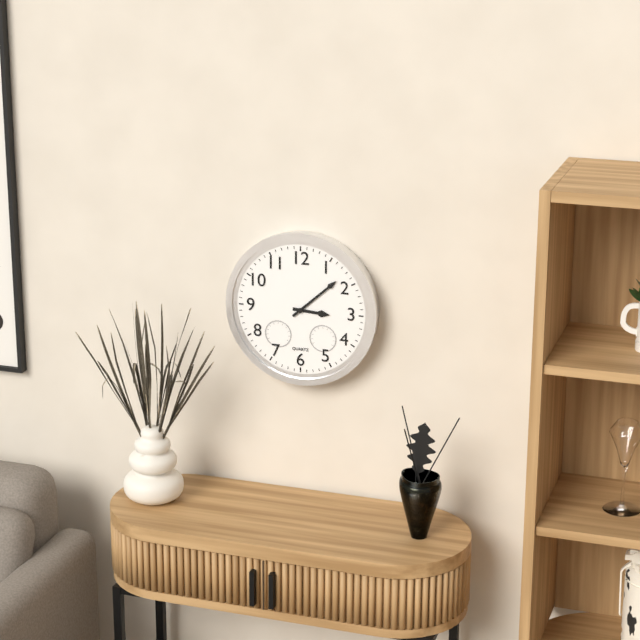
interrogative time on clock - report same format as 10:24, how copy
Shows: 3:08
